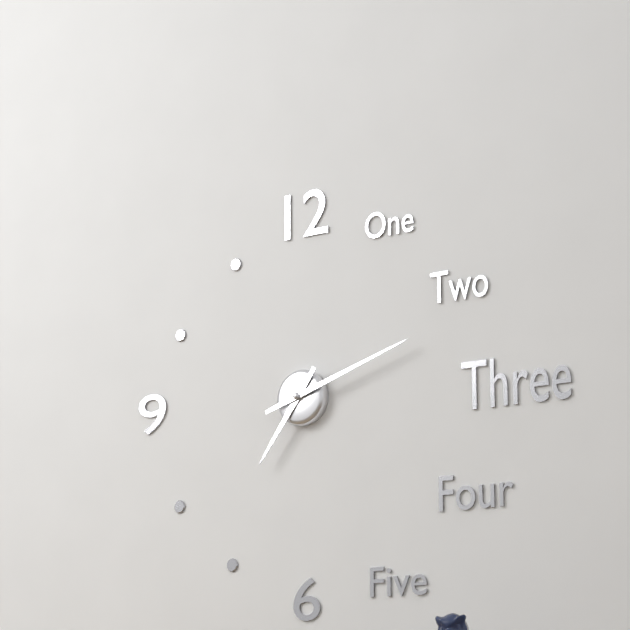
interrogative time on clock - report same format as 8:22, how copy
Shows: 7:12
